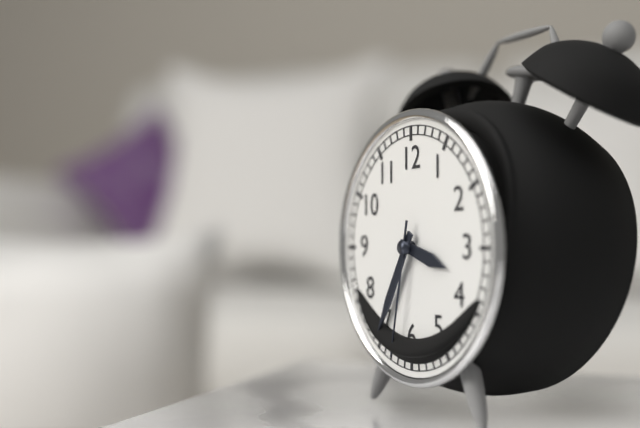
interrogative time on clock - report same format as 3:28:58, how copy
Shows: 3:35:32
